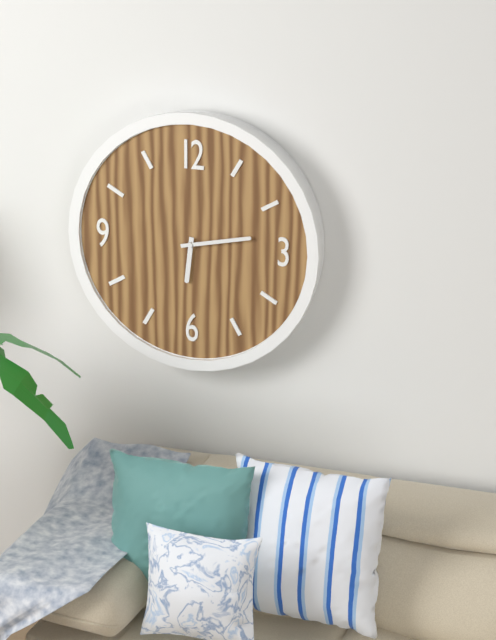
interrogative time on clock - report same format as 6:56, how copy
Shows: 6:13
